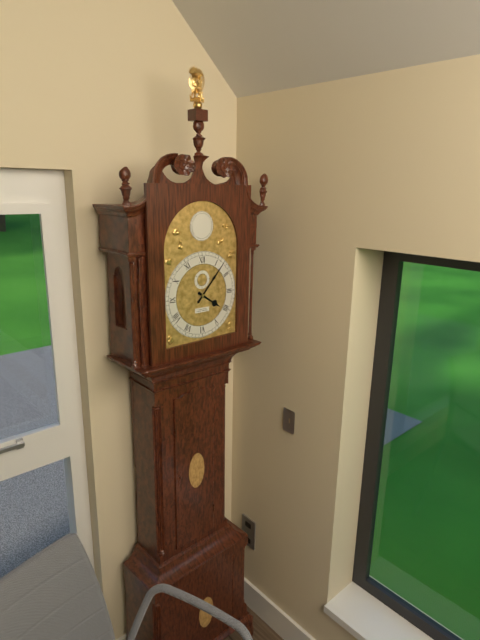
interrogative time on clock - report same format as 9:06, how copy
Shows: 4:07
